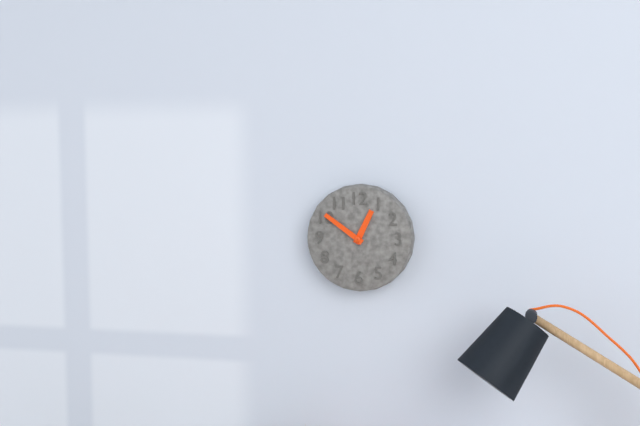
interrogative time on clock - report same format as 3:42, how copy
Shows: 12:51
